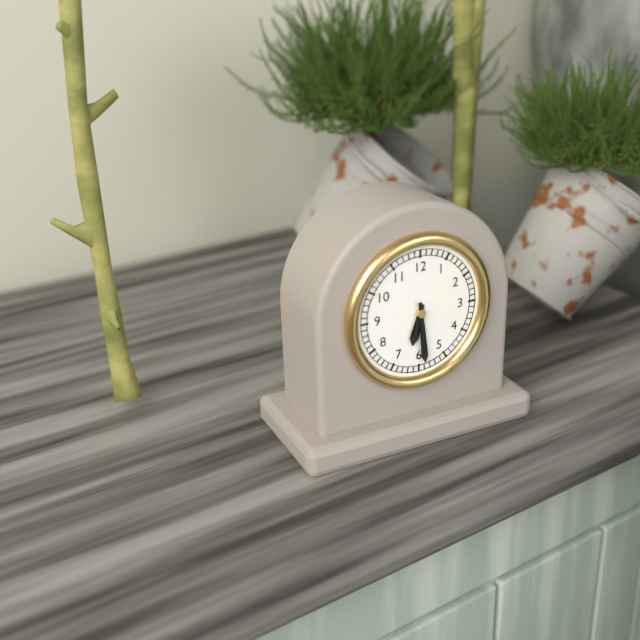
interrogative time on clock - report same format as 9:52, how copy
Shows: 6:29
